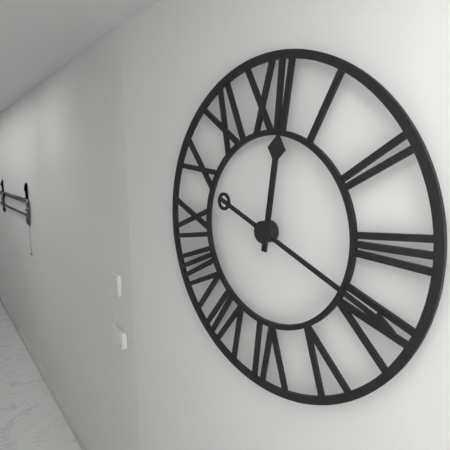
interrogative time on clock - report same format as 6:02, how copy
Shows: 12:19
